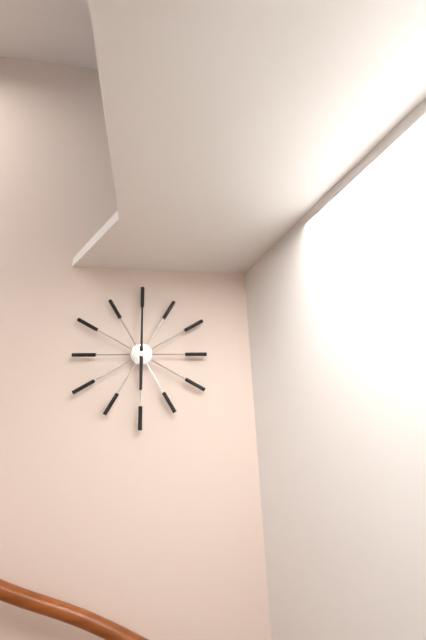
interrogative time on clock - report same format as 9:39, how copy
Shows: 6:00
